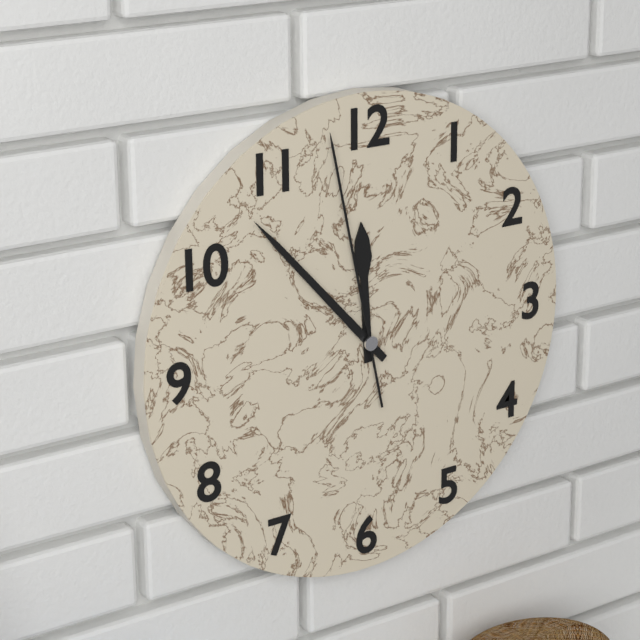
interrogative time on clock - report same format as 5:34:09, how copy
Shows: 11:53:58
